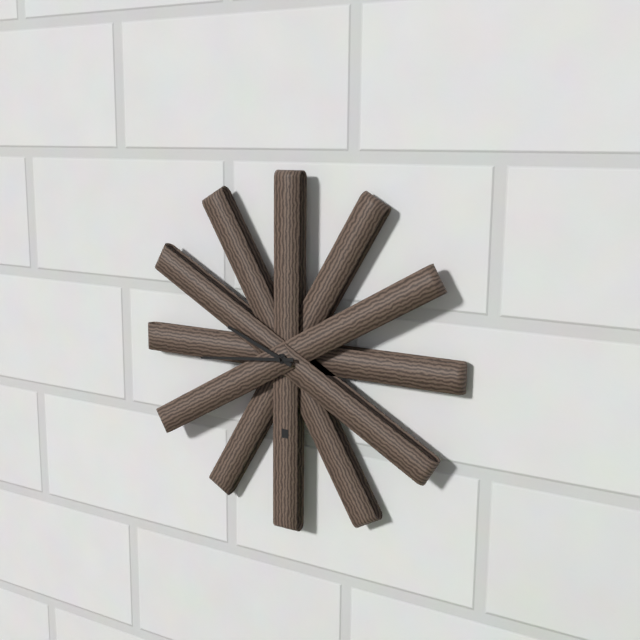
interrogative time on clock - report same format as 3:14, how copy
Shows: 9:44
